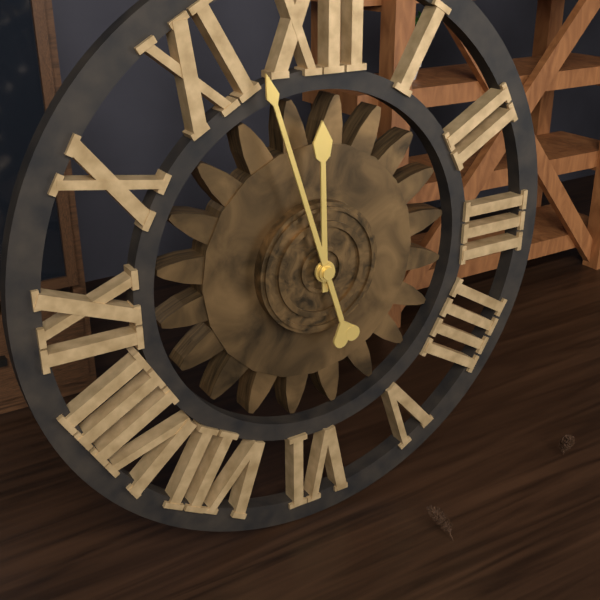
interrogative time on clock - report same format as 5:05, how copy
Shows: 11:57
